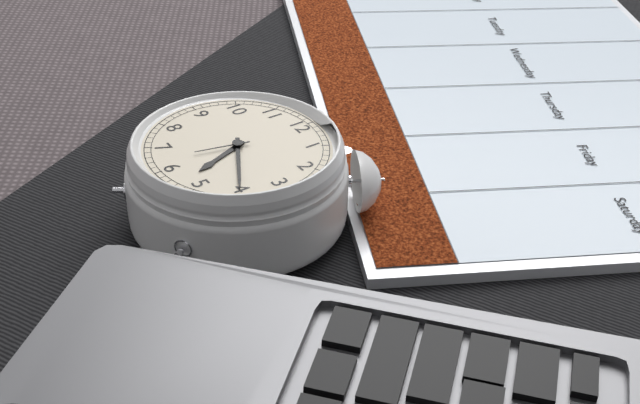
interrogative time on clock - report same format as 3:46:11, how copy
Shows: 5:20:32
